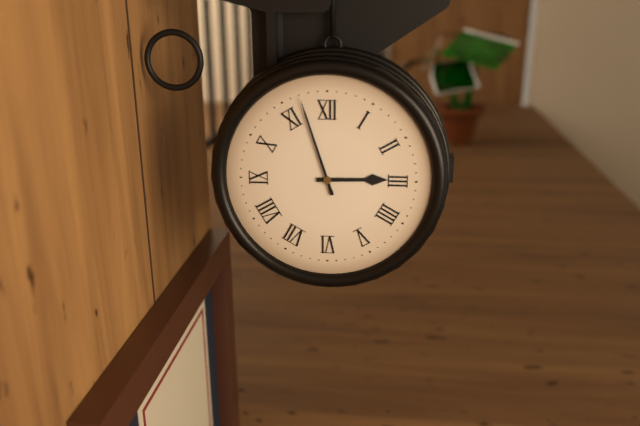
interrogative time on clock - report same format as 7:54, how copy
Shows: 2:57
